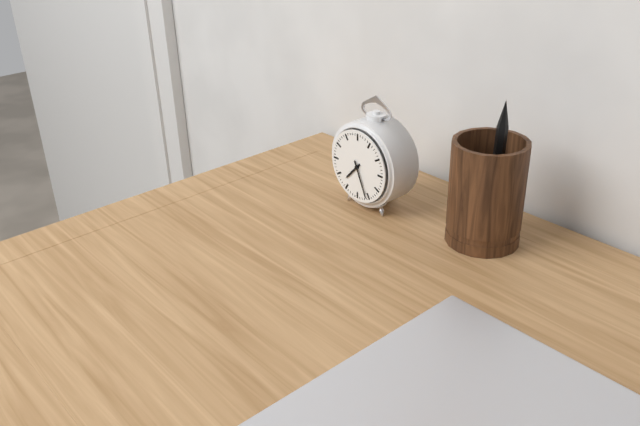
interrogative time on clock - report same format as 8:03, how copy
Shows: 7:26
